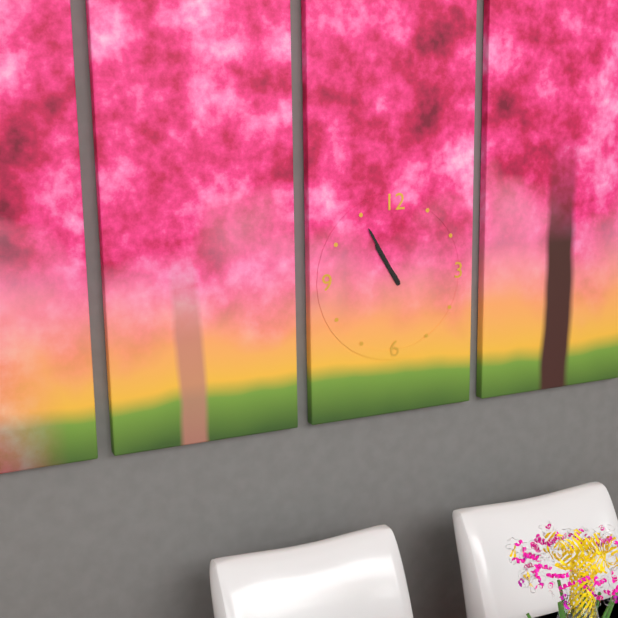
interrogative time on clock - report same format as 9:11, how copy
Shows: 10:55
